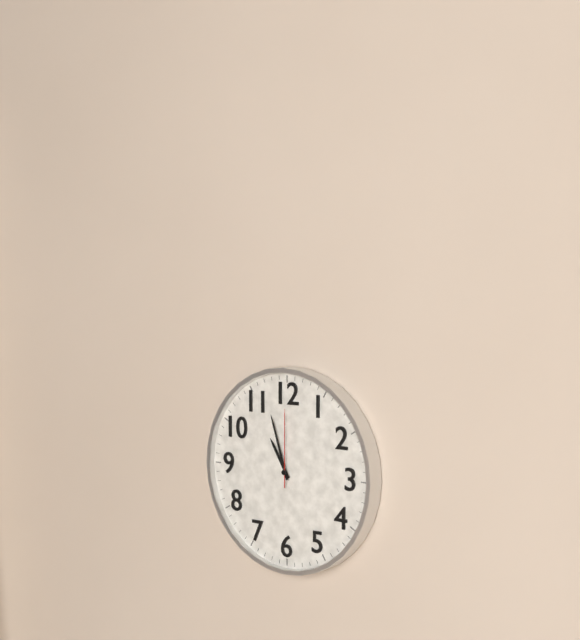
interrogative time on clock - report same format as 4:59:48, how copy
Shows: 10:57:00
